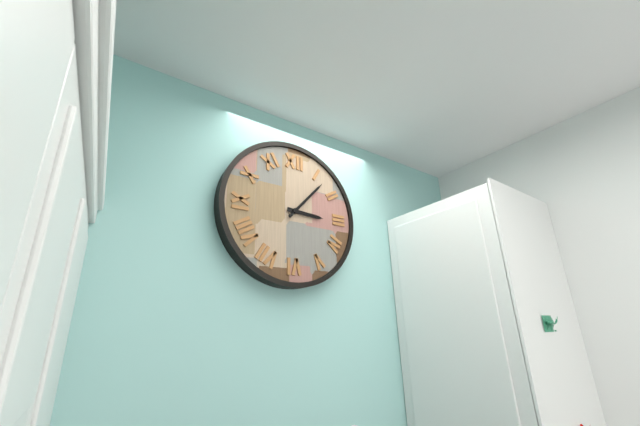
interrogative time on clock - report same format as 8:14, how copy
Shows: 3:07
